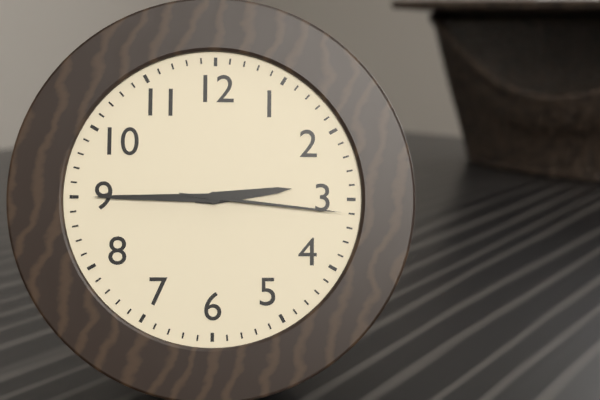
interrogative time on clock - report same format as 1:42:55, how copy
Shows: 2:45:16
